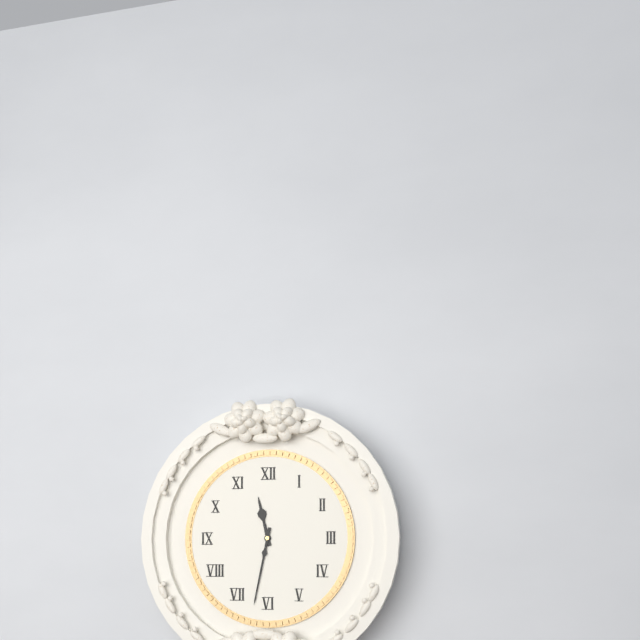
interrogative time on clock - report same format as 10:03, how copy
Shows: 11:32
